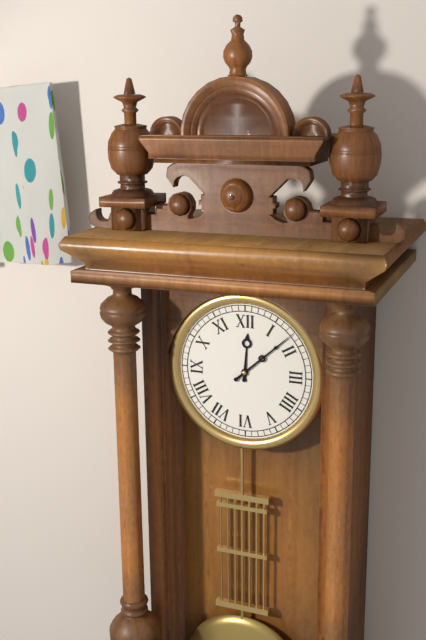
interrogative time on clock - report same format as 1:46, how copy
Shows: 12:08
